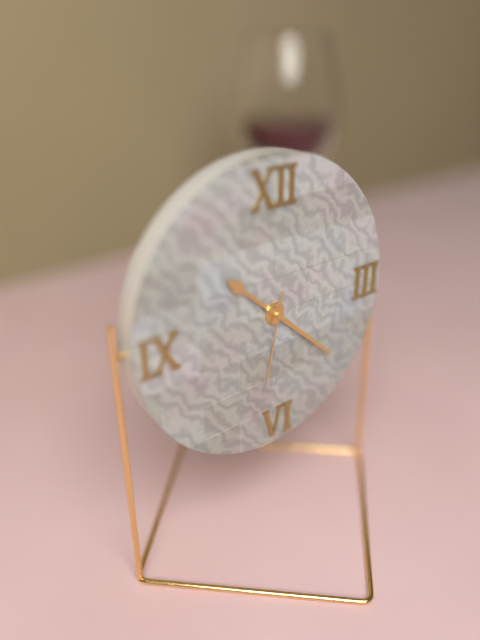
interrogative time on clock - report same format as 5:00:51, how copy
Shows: 10:22:32
